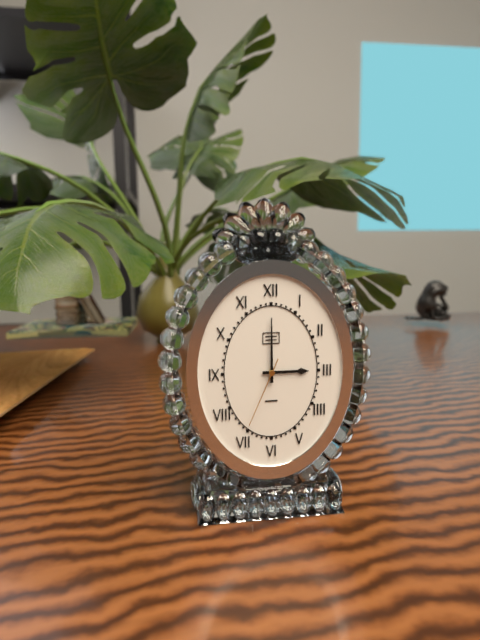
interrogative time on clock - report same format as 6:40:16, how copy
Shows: 3:00:34
